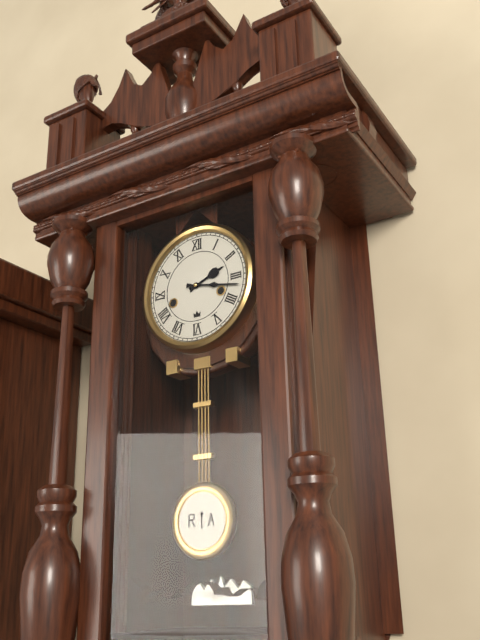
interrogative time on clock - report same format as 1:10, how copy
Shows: 2:17
